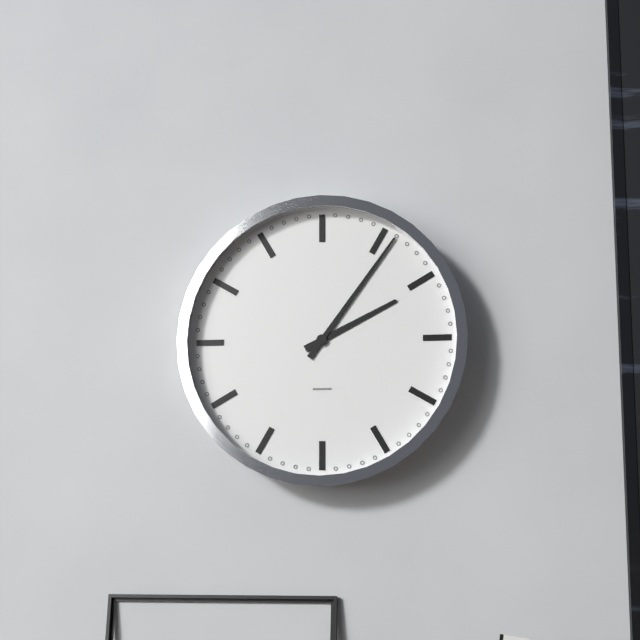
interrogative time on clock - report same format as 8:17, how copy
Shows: 2:06
